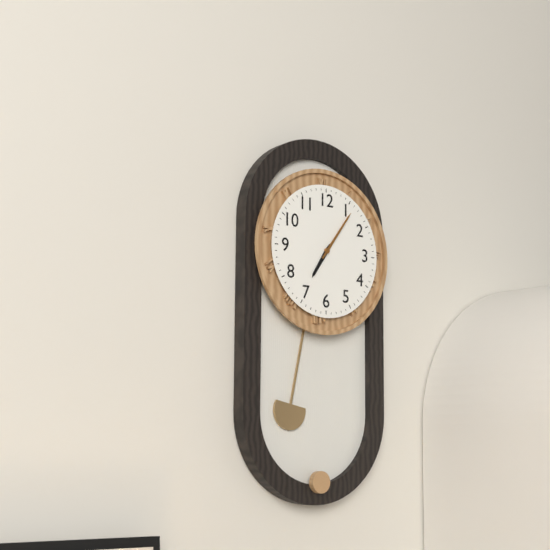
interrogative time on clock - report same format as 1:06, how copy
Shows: 7:06
